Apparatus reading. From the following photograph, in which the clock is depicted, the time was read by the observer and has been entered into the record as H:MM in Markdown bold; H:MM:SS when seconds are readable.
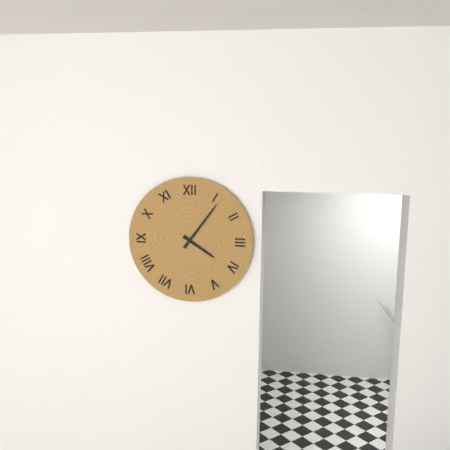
**4:06**
